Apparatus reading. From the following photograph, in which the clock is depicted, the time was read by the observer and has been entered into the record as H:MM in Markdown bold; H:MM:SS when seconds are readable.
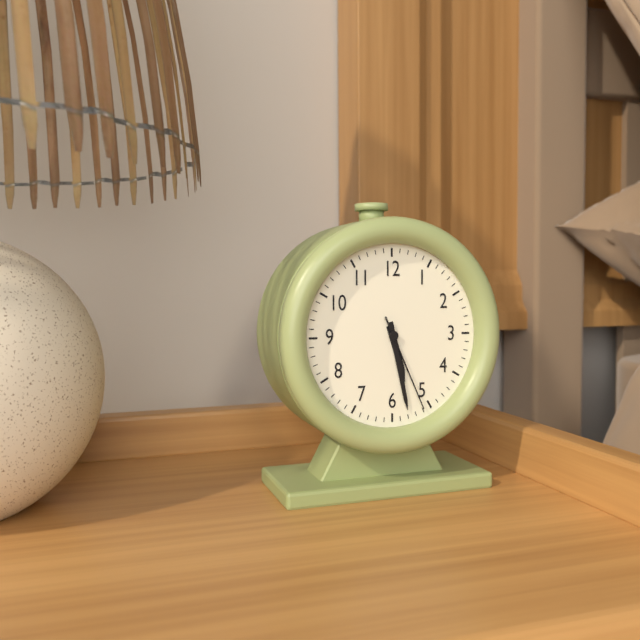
**5:28:26**
